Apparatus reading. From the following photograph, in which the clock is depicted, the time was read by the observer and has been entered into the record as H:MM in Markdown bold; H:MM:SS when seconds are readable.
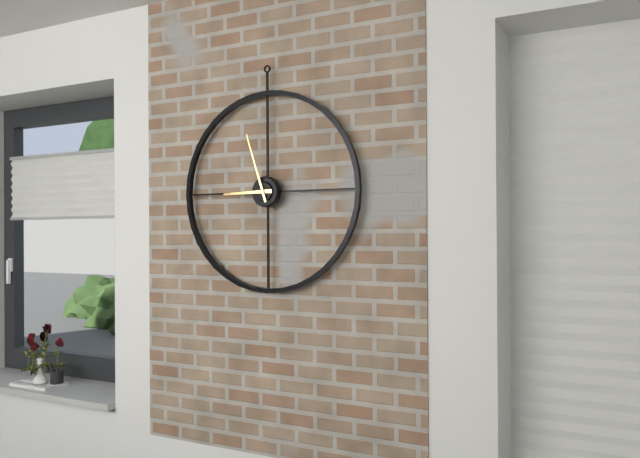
**8:57**
